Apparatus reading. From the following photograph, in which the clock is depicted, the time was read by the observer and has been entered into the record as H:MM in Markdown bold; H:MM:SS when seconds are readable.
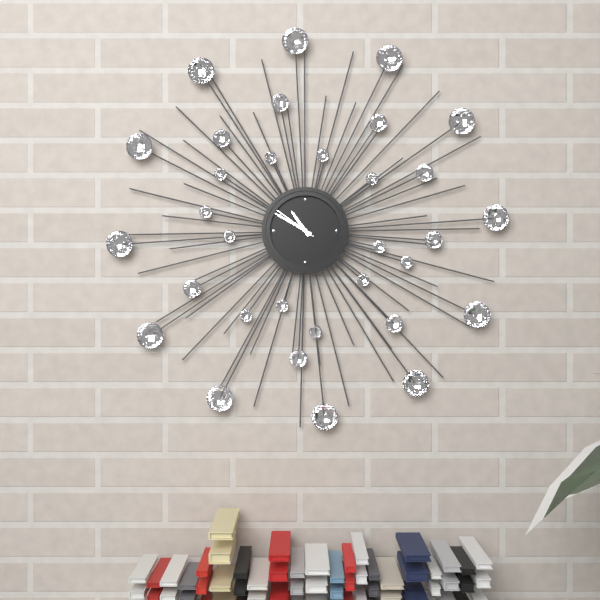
**10:50**
